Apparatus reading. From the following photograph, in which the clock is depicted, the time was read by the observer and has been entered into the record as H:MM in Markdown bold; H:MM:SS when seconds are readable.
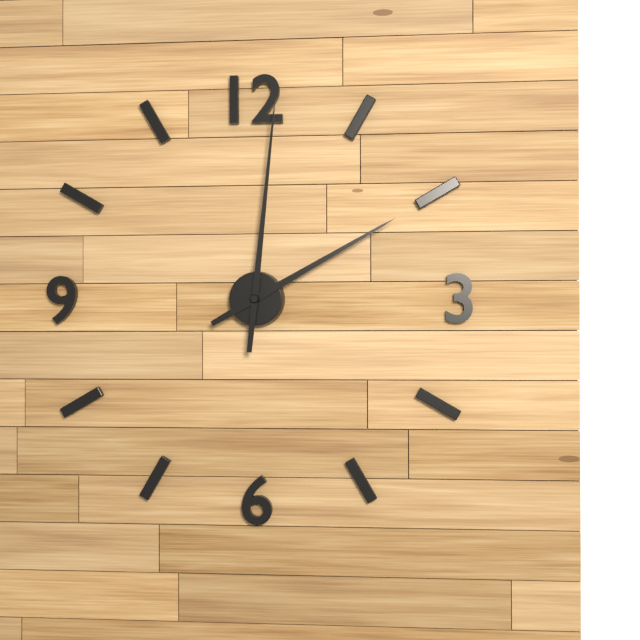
**2:01**
